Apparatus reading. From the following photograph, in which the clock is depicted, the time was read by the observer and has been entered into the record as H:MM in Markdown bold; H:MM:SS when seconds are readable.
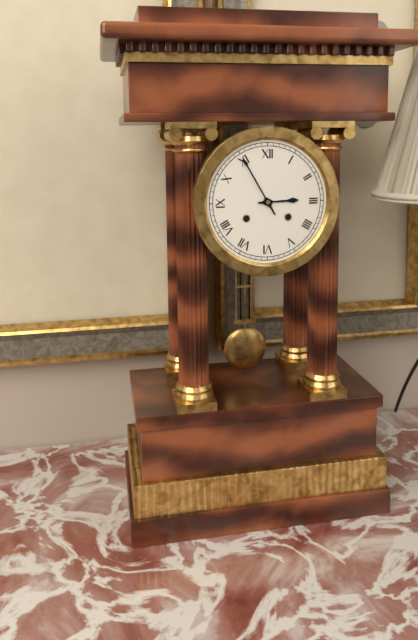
**2:55**
